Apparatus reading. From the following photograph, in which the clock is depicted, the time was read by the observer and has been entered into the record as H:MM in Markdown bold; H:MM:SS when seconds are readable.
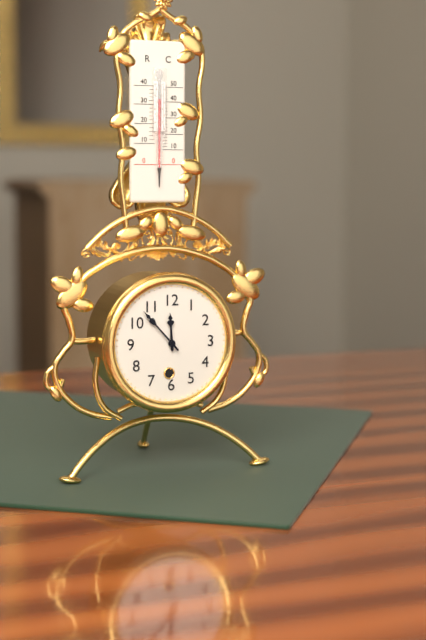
**11:53**
